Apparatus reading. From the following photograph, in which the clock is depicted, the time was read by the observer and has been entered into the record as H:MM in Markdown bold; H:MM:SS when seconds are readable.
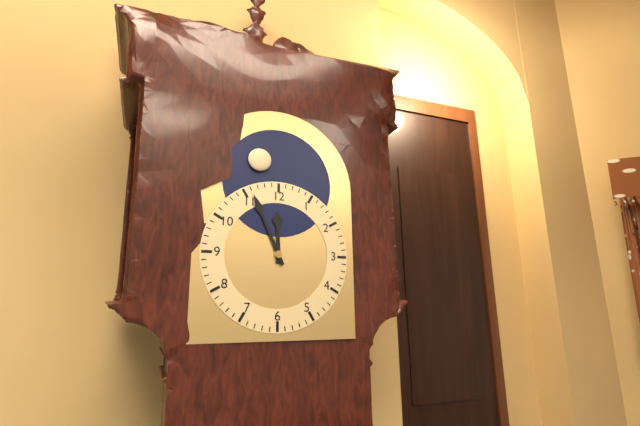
**11:56**
